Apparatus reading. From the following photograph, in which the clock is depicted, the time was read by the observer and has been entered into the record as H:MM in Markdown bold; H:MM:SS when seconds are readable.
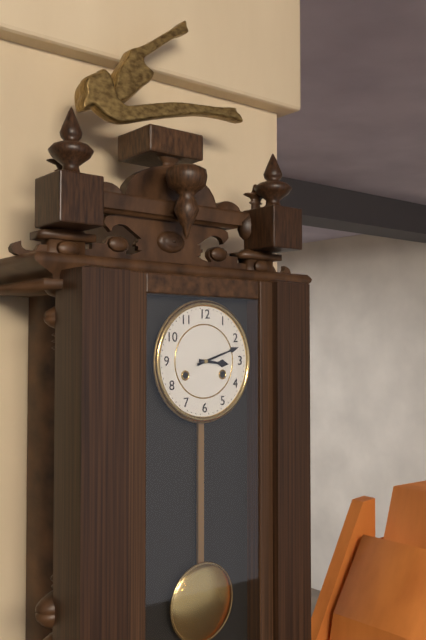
**3:12**
